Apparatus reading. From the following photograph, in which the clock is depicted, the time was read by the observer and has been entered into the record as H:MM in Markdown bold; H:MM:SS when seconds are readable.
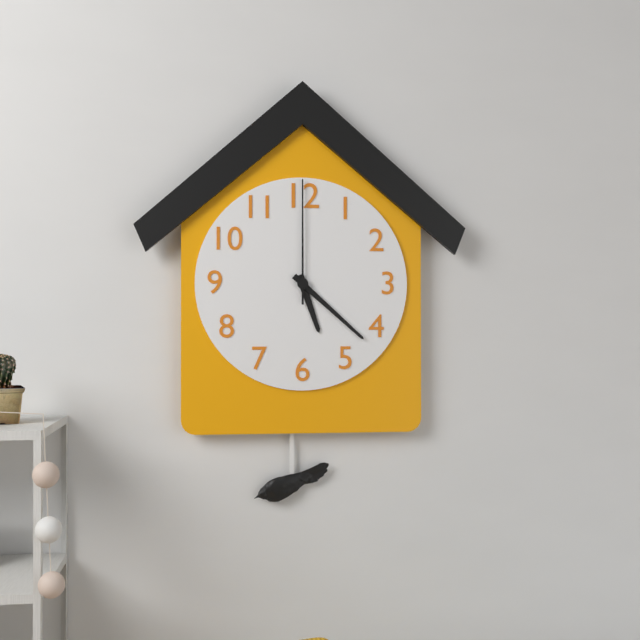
**5:22:00**
